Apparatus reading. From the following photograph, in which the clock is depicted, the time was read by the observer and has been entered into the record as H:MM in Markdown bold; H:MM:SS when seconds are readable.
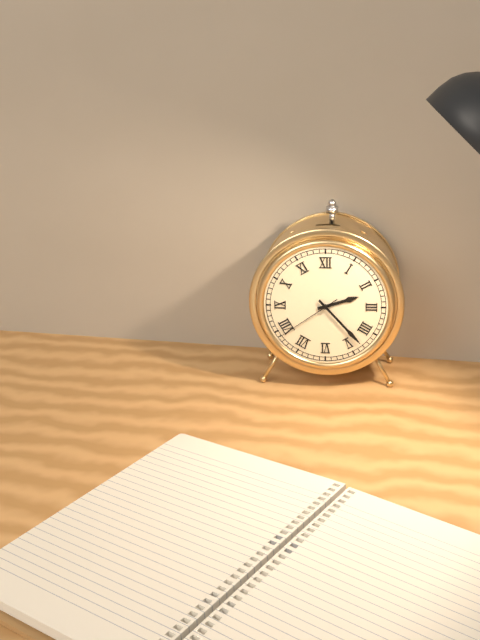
**2:23:39**
